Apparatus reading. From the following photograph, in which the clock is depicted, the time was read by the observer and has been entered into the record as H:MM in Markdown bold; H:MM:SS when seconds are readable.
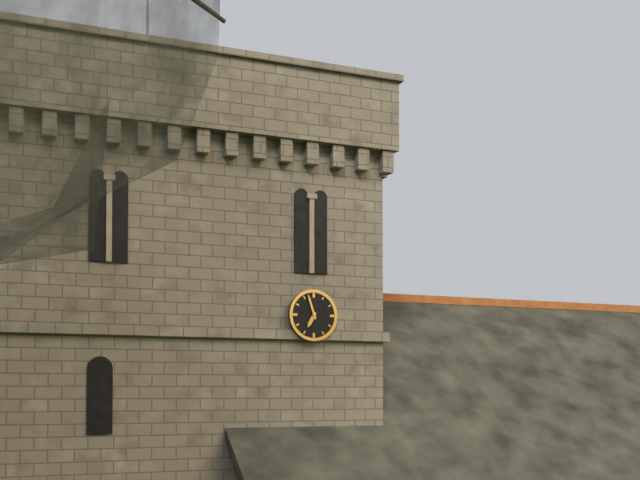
**6:57**
